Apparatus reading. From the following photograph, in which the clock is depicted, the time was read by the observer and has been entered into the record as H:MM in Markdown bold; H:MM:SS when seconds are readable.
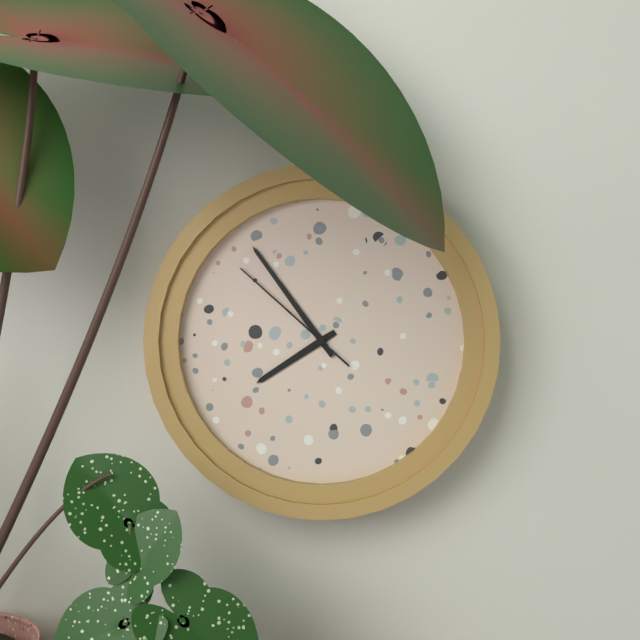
**7:54:52**
